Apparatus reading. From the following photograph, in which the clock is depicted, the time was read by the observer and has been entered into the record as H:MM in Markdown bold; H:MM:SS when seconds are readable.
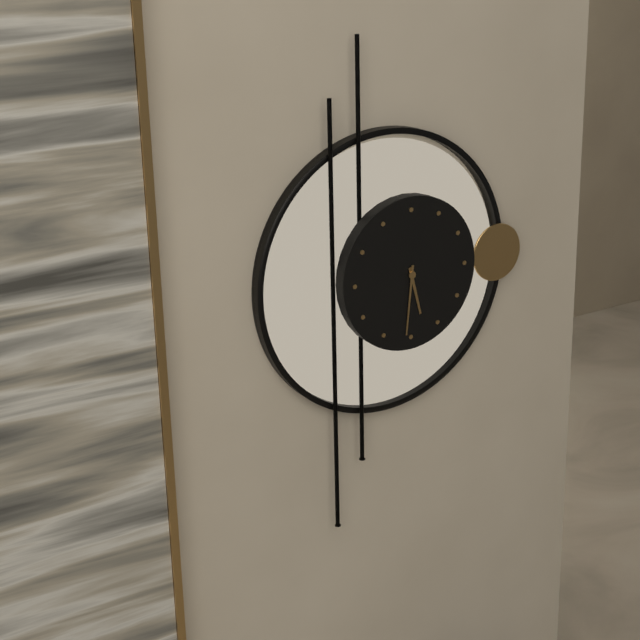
**5:31**
